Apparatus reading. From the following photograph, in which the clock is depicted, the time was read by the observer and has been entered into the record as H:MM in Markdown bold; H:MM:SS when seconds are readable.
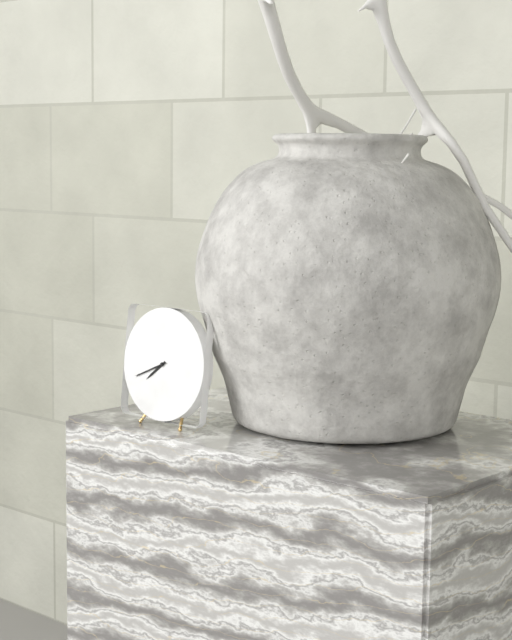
**7:41**
